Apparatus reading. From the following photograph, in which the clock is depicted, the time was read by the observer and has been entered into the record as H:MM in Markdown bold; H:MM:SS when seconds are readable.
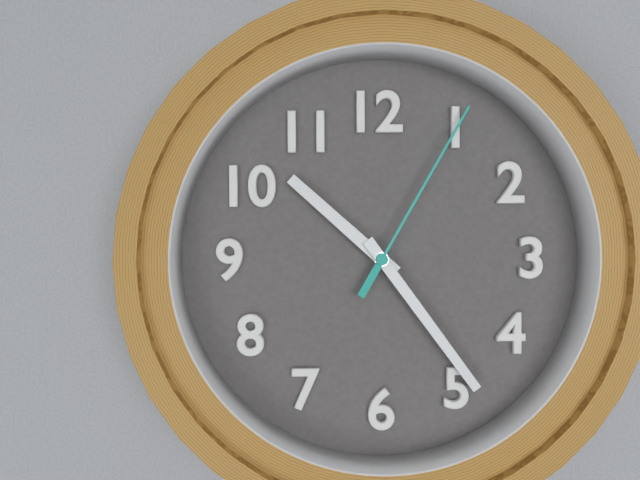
**10:24:05**
